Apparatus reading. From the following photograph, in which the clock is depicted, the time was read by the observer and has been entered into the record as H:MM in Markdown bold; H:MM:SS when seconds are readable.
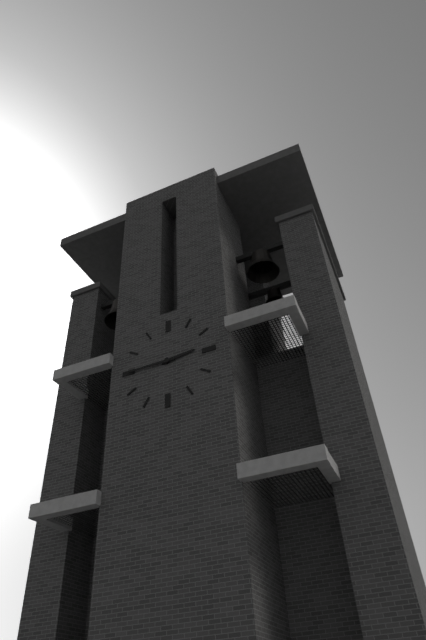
**2:45**
